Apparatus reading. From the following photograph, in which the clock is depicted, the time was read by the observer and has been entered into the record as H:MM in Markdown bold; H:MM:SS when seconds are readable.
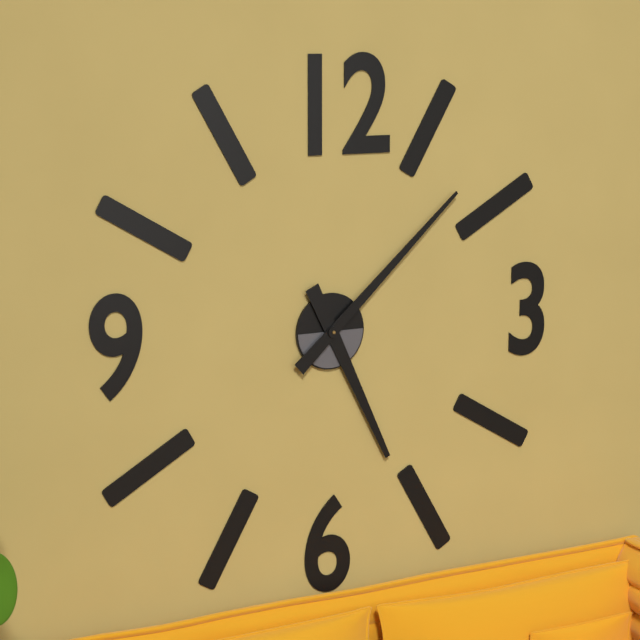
**5:08**
